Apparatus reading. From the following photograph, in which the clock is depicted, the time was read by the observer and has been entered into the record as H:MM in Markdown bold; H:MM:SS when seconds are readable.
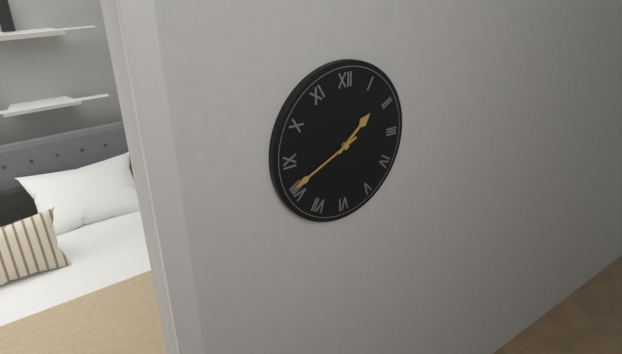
**1:41**
